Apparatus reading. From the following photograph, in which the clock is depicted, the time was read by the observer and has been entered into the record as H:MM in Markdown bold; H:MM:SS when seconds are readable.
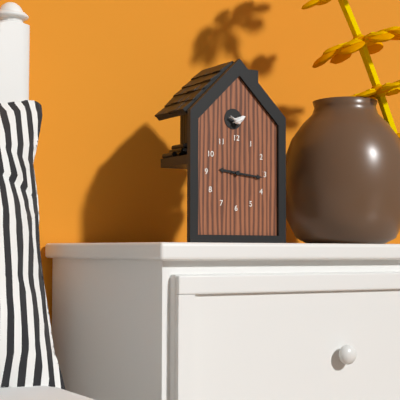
**9:16**
